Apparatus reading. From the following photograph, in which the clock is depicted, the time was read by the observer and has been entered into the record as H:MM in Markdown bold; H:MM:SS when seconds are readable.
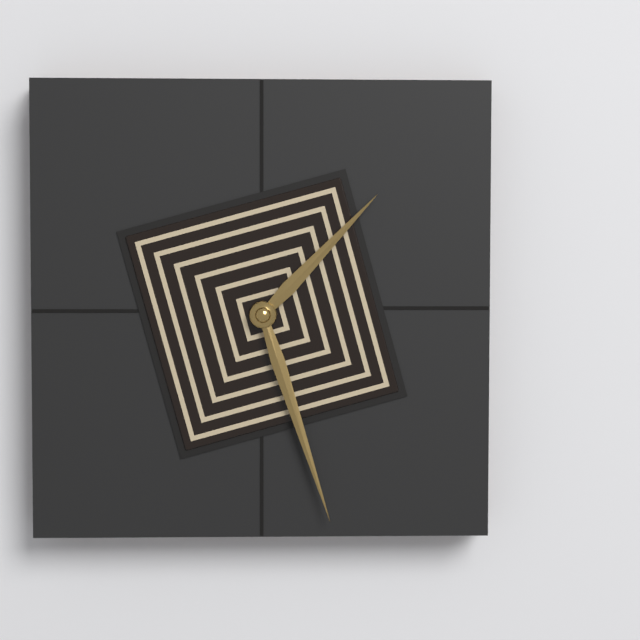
**1:27**
